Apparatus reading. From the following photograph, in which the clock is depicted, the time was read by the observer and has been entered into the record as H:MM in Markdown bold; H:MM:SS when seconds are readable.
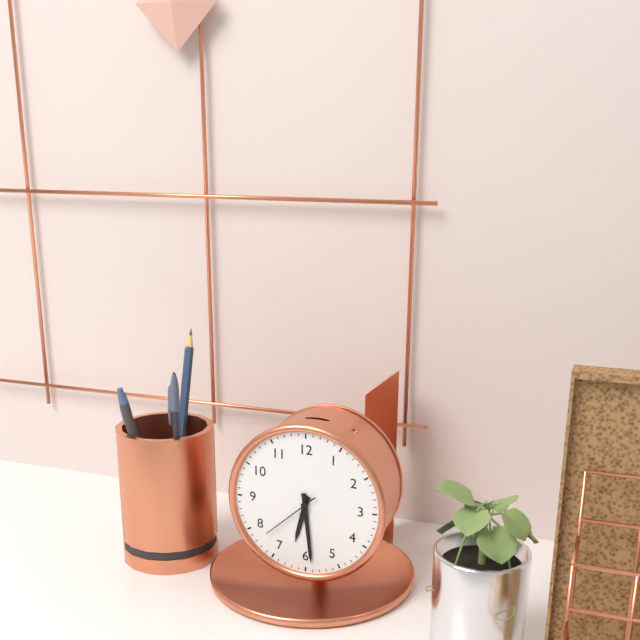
**6:29:38**
